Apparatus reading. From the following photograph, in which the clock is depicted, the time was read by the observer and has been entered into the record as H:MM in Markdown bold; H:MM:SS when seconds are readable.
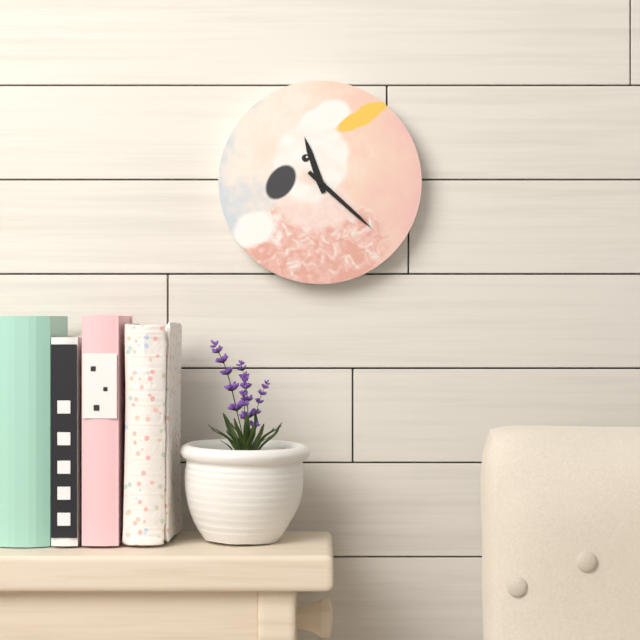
**11:22**
